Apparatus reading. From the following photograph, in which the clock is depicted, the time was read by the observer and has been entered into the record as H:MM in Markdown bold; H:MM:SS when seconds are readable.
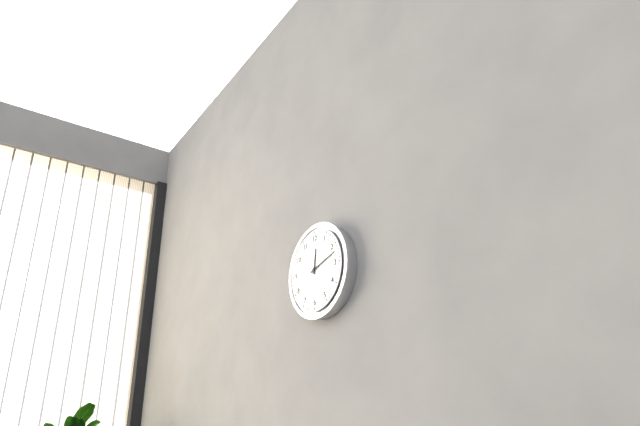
**12:12**
